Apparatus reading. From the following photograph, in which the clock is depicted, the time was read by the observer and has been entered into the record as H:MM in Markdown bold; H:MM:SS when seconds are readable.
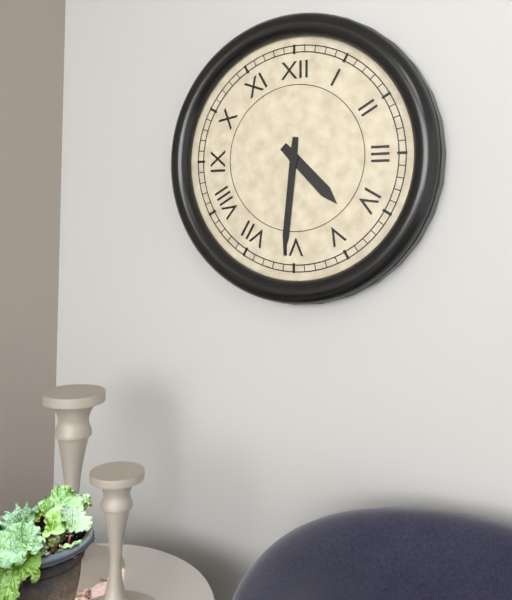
**4:31**
